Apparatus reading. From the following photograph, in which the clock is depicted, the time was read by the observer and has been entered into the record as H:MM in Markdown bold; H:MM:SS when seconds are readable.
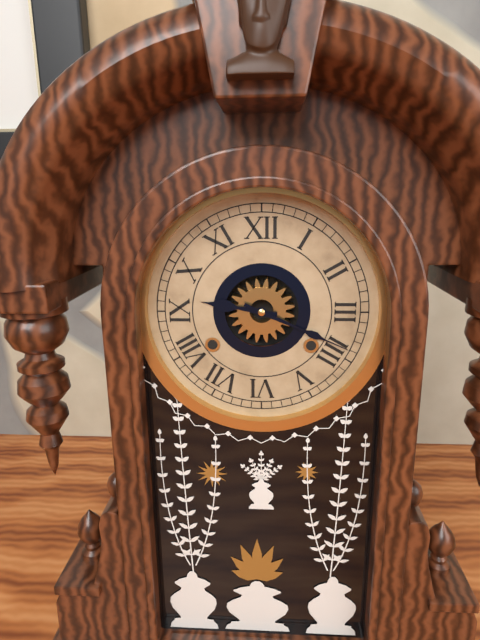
**9:19**
